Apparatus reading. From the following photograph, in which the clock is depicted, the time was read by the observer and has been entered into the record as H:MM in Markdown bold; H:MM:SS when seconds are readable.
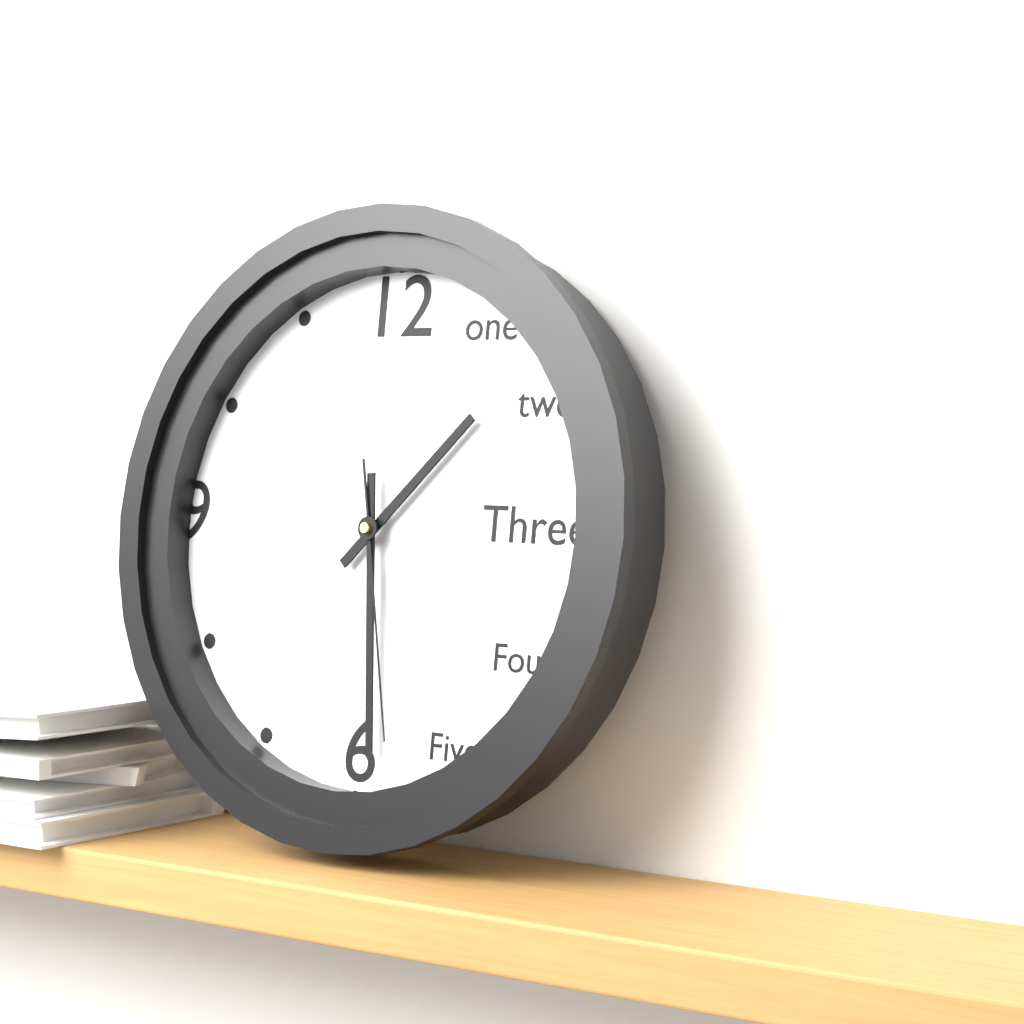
**1:29:28**
